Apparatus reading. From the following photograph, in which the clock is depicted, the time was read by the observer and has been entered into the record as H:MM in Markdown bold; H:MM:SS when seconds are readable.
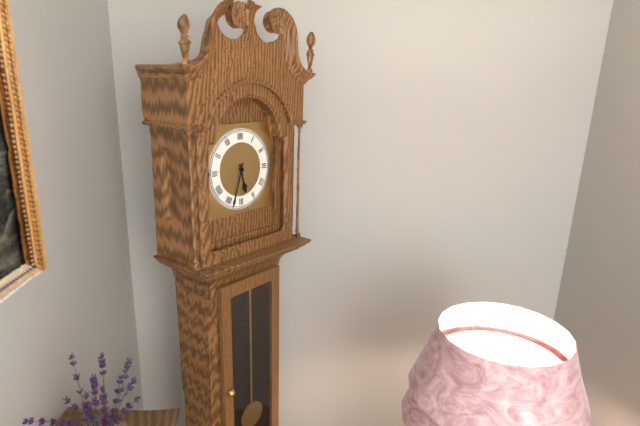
**5:33**
